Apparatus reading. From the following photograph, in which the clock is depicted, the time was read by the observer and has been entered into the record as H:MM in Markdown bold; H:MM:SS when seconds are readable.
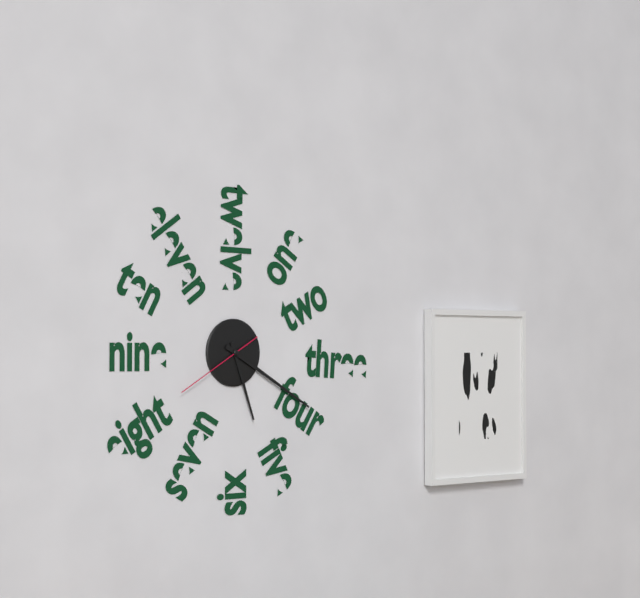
**5:20:40**
